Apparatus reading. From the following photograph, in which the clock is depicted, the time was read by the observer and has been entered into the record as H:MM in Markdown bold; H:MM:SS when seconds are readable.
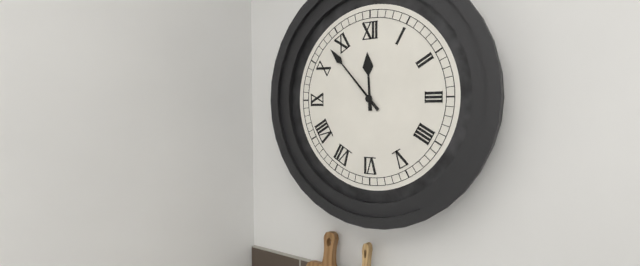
**11:53**
